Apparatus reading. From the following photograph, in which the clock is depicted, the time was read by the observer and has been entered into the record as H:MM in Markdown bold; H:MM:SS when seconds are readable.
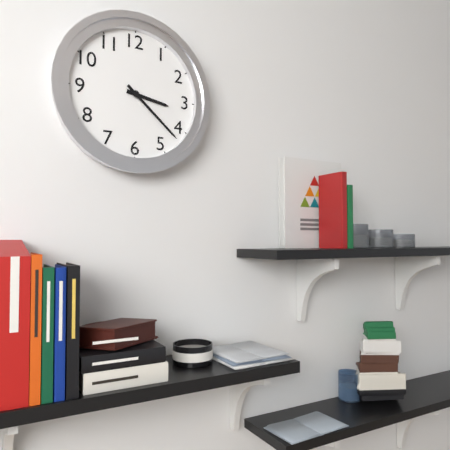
**3:22**
